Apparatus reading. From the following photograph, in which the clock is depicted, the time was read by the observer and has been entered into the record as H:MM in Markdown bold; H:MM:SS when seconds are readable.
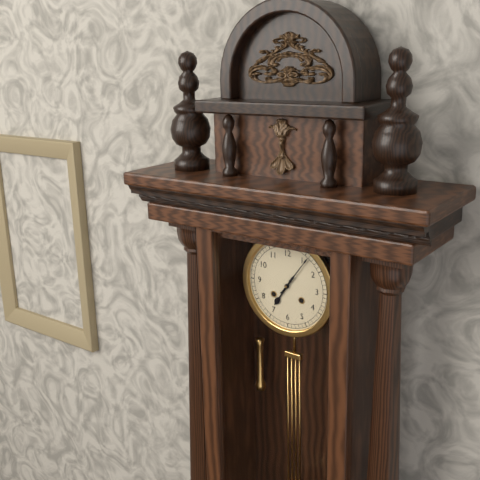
**7:06**
